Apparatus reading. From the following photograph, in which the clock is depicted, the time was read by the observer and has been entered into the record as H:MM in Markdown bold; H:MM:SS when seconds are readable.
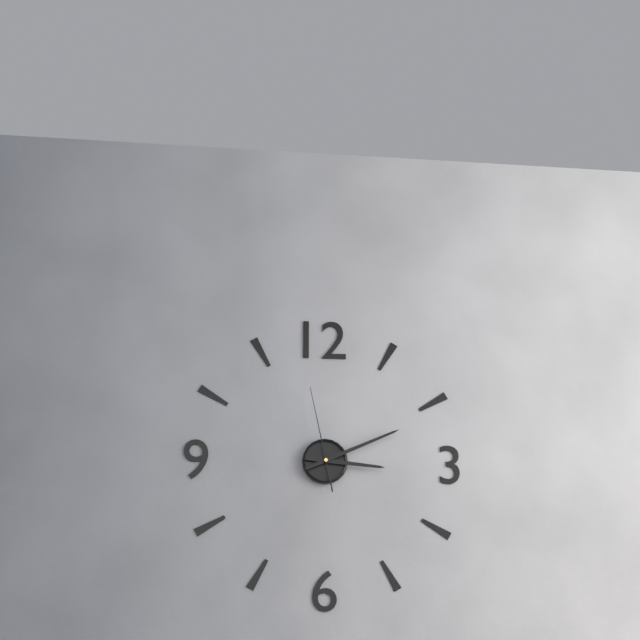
**3:11:58**
